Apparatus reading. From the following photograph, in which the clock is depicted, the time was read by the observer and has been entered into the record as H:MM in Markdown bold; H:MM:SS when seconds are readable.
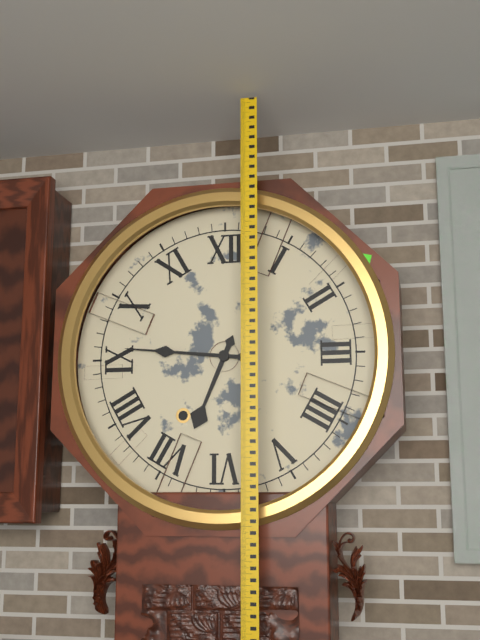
**6:46**
